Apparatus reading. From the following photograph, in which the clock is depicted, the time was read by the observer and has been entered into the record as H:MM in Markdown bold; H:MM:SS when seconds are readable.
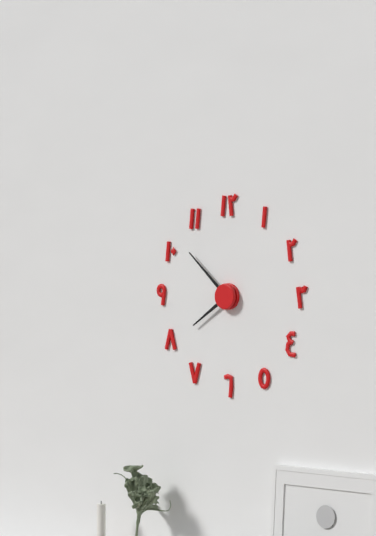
**7:52**
